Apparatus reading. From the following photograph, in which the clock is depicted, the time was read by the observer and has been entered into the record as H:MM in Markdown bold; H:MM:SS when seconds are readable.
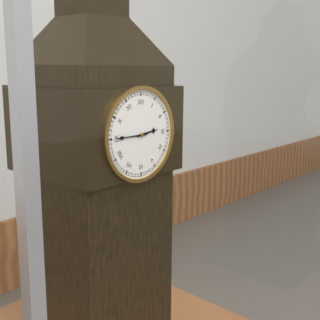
**2:45**
